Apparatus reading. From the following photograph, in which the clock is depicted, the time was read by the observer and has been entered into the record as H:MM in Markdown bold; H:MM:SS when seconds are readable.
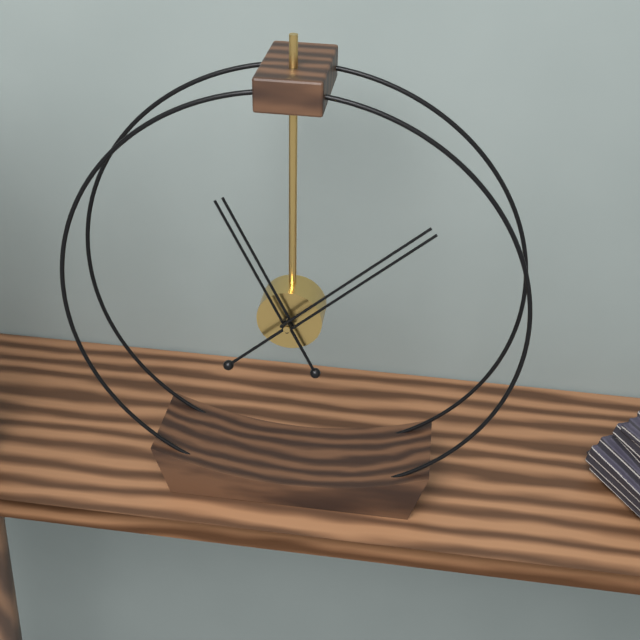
**11:08**
